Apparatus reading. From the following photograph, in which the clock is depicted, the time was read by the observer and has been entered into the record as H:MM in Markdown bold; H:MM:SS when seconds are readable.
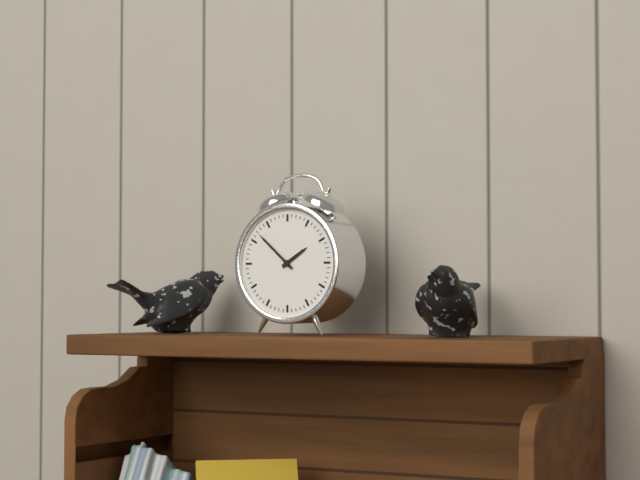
**1:52**
